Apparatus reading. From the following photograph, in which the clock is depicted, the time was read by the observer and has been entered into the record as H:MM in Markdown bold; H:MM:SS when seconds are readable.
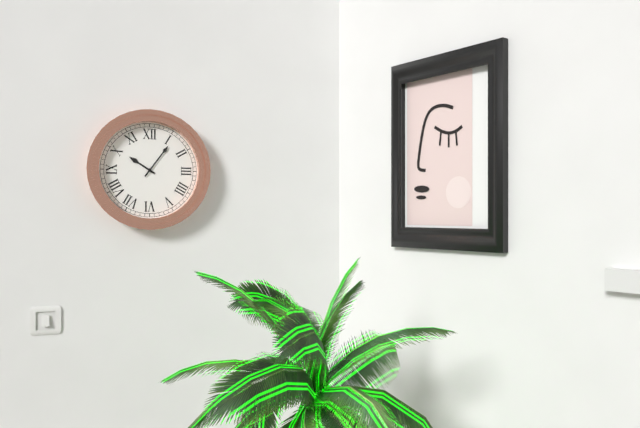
**10:06**
